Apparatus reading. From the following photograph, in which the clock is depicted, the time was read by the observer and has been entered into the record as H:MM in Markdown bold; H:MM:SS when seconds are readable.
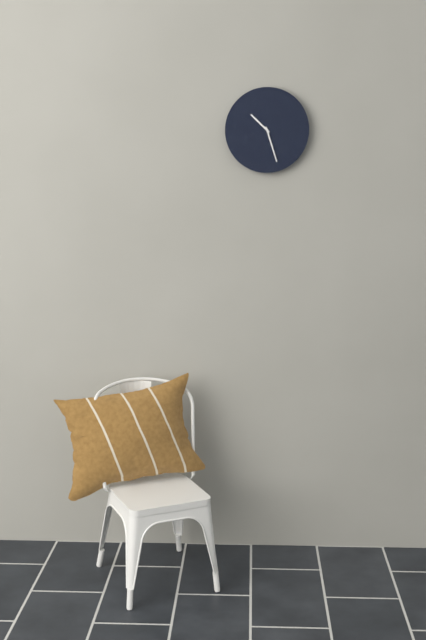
**10:27**
